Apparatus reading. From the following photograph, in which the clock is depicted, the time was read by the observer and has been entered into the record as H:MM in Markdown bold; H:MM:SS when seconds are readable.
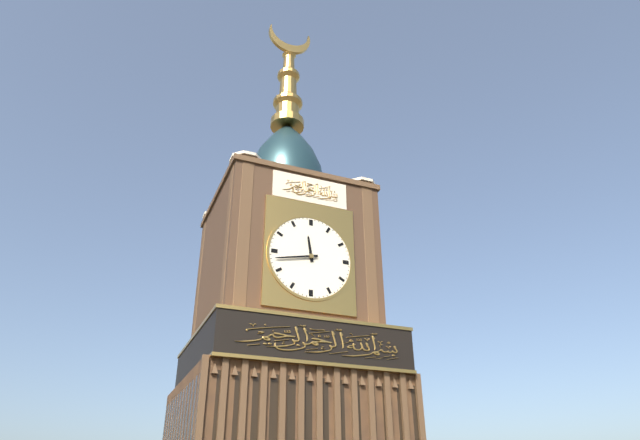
**11:43**
